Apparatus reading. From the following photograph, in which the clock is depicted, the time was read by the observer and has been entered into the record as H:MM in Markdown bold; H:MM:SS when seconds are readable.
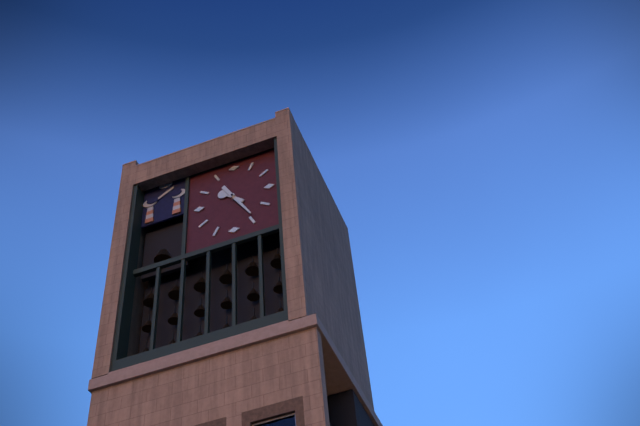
**10:25**
